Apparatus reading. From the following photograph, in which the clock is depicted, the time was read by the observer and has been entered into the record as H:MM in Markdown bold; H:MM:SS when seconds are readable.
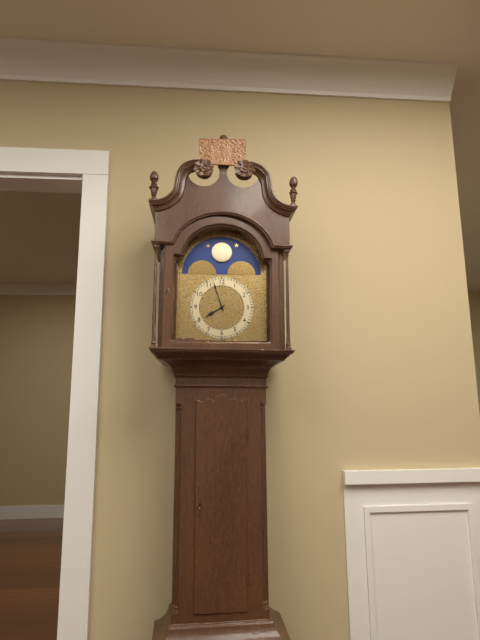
**7:57**
